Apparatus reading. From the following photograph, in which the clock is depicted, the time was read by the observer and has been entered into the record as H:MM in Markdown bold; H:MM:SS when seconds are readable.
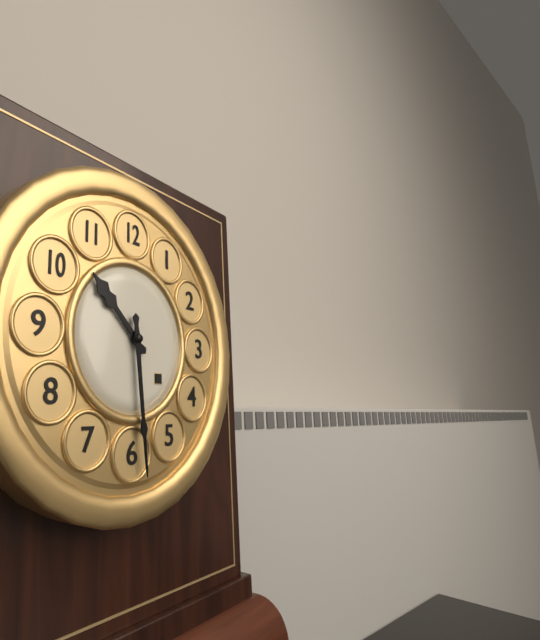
**10:29**
